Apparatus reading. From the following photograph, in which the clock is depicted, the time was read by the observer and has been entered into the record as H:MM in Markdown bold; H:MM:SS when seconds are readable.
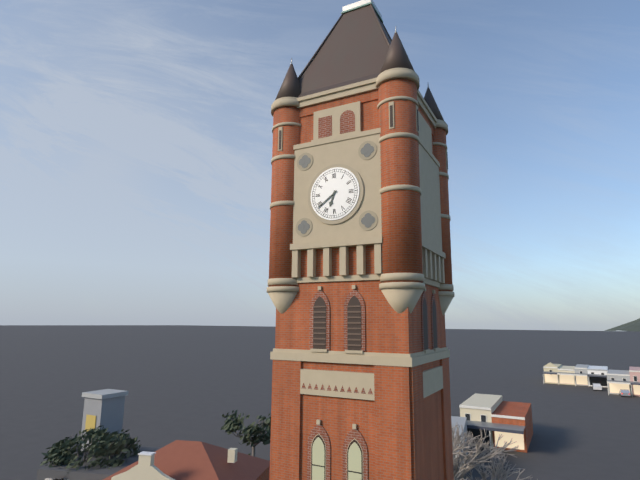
**6:39**
